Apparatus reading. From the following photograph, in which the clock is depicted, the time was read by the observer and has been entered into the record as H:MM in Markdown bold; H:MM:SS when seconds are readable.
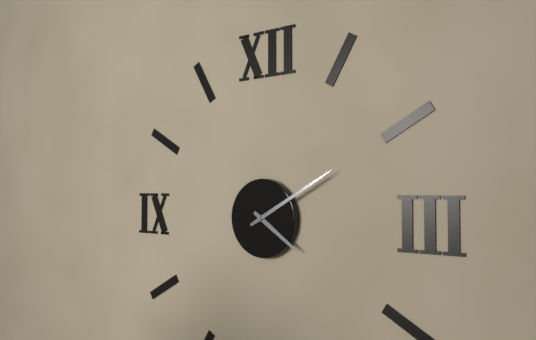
**4:10**
